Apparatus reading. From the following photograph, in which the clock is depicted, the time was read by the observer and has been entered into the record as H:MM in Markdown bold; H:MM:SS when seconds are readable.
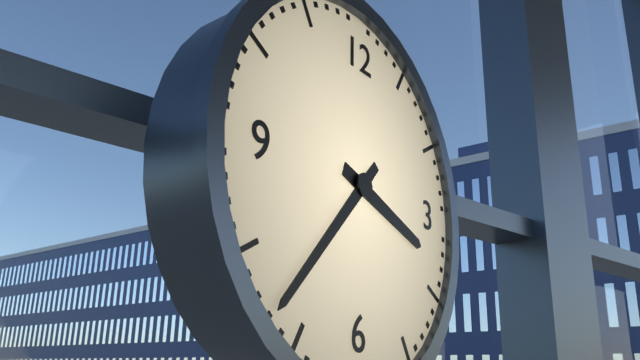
**3:37**
